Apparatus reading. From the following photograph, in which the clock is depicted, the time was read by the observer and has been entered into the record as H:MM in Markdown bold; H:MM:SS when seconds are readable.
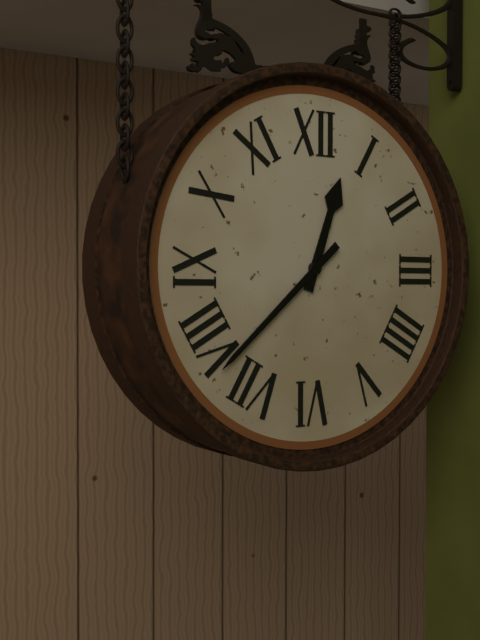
**12:38**
